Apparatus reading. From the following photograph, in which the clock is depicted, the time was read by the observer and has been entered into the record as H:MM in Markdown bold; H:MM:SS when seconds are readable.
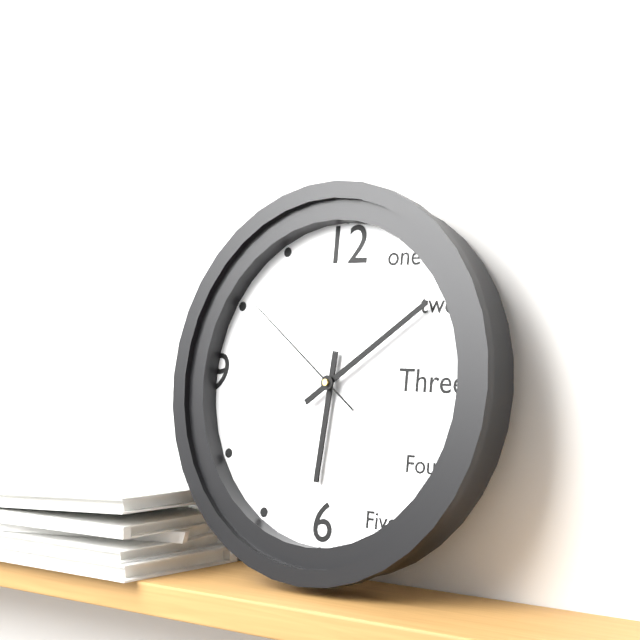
**6:09:51**
